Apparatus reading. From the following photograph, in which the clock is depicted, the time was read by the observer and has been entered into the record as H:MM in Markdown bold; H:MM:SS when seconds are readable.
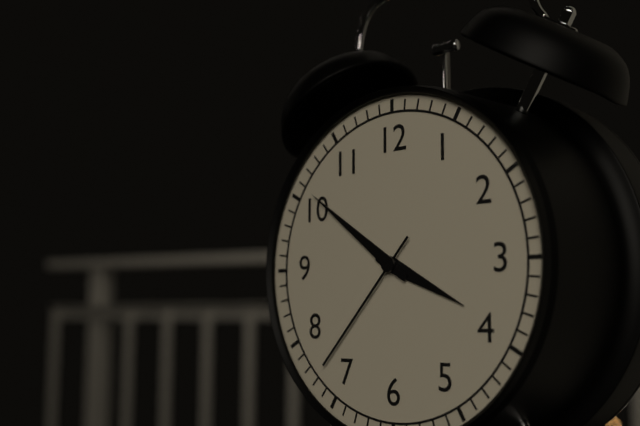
**3:51:37**
